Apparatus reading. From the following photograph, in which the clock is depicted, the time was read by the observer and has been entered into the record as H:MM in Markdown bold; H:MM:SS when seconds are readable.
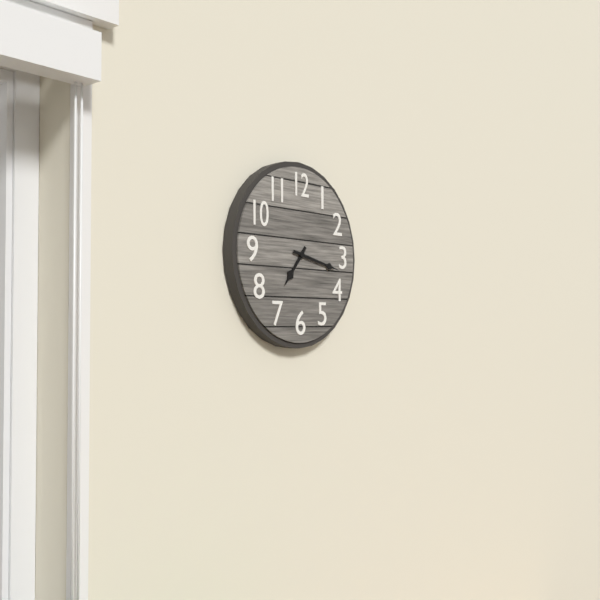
**7:17**
